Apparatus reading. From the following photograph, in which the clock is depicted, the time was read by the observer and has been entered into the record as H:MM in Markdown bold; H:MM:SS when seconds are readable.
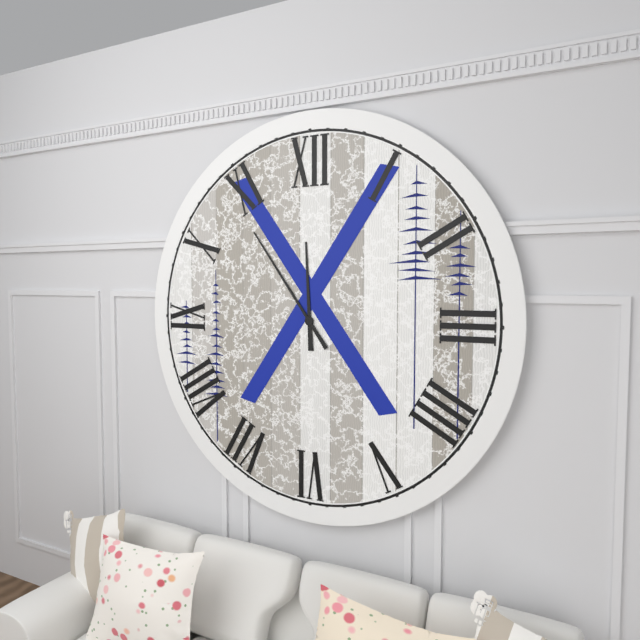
**11:54**
